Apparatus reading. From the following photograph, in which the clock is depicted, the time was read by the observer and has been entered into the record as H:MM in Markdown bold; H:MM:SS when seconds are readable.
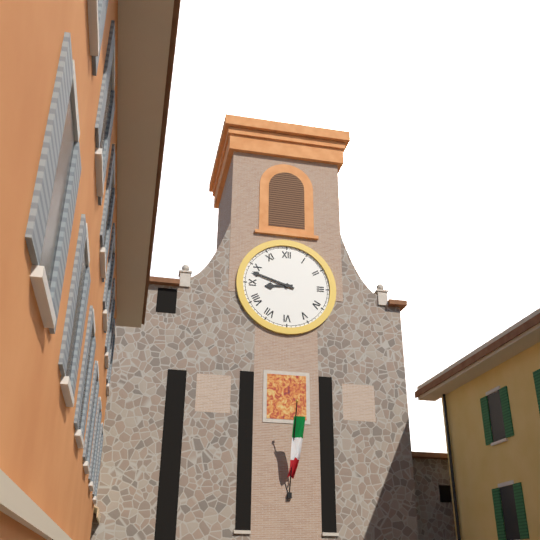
**8:48**
